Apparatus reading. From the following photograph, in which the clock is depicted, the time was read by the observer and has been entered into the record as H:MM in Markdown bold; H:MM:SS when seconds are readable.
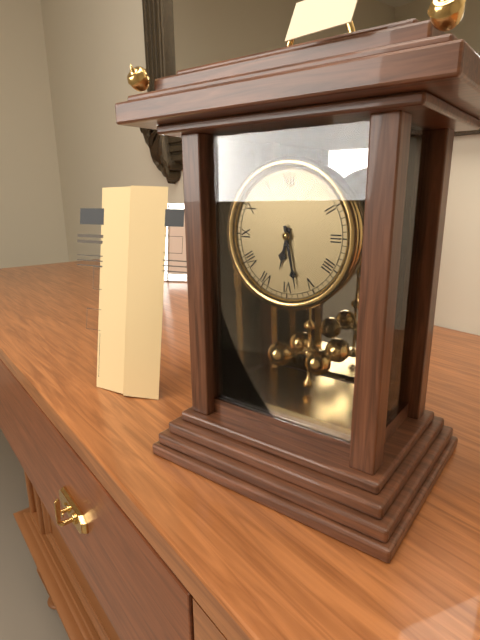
**6:28**
